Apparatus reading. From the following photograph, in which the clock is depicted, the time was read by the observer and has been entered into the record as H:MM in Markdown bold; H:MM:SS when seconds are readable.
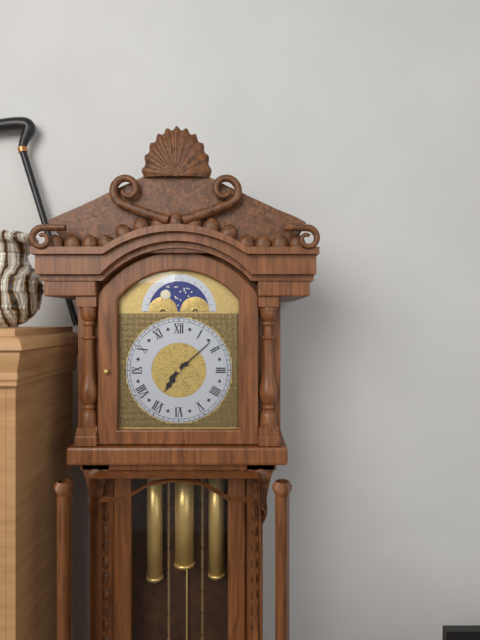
**7:08**
